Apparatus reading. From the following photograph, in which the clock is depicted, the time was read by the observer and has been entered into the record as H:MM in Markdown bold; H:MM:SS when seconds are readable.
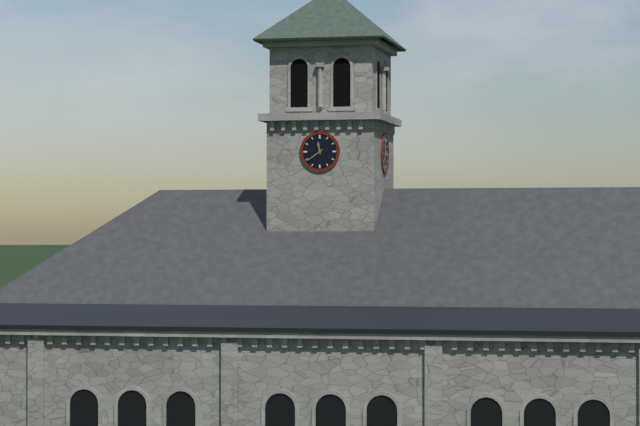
**11:39**
